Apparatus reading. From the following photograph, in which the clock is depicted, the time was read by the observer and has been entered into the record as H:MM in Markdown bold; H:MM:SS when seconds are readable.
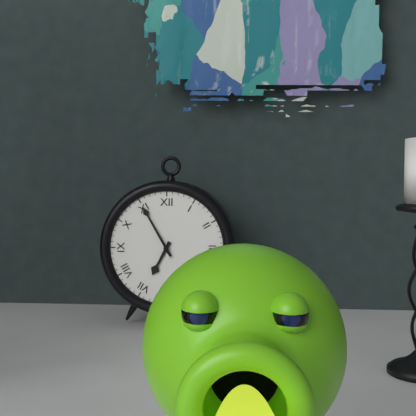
**6:55**
